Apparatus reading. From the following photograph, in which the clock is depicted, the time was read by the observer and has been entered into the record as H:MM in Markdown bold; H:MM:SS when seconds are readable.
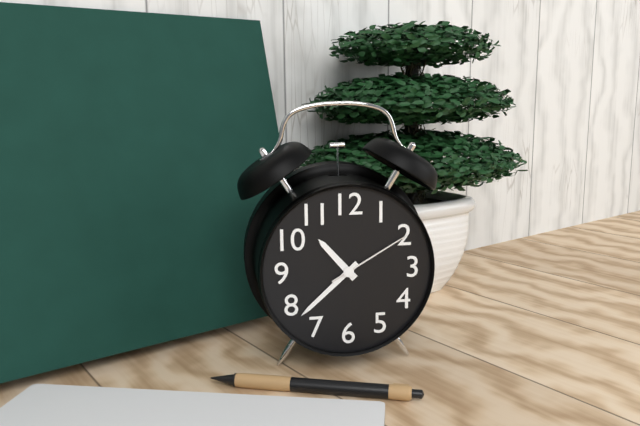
**10:38:10**
